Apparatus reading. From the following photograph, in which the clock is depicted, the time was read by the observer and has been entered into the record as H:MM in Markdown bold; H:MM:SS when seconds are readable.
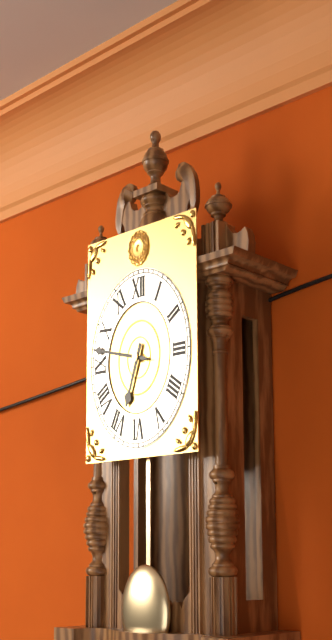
**6:47:47**
